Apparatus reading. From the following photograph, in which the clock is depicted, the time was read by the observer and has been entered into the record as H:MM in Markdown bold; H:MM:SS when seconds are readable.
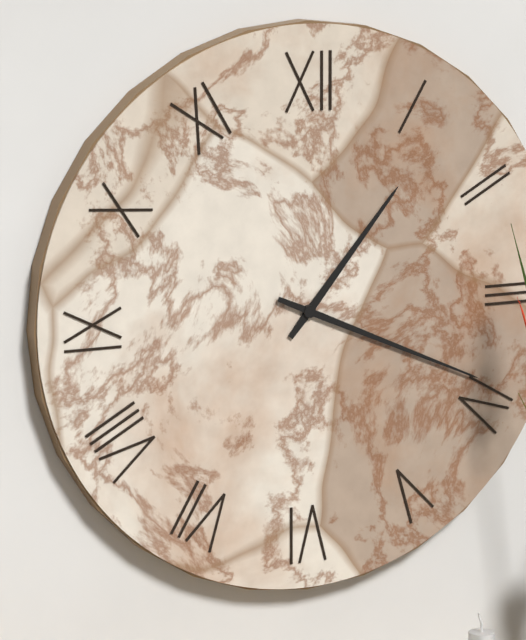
**1:19**
